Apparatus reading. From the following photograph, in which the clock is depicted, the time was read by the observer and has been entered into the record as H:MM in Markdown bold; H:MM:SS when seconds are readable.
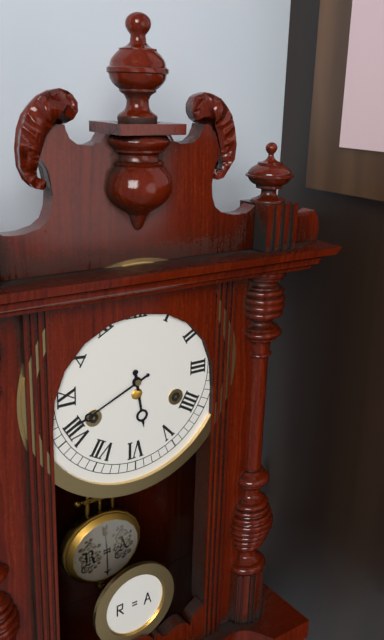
**5:41**
